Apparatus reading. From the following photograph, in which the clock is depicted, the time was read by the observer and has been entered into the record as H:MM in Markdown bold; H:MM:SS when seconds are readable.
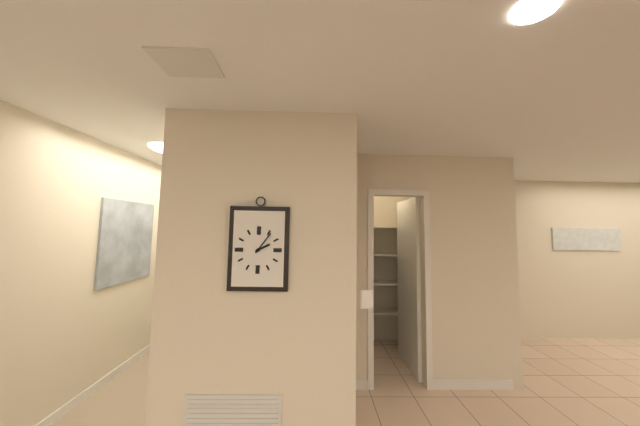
**2:06**
